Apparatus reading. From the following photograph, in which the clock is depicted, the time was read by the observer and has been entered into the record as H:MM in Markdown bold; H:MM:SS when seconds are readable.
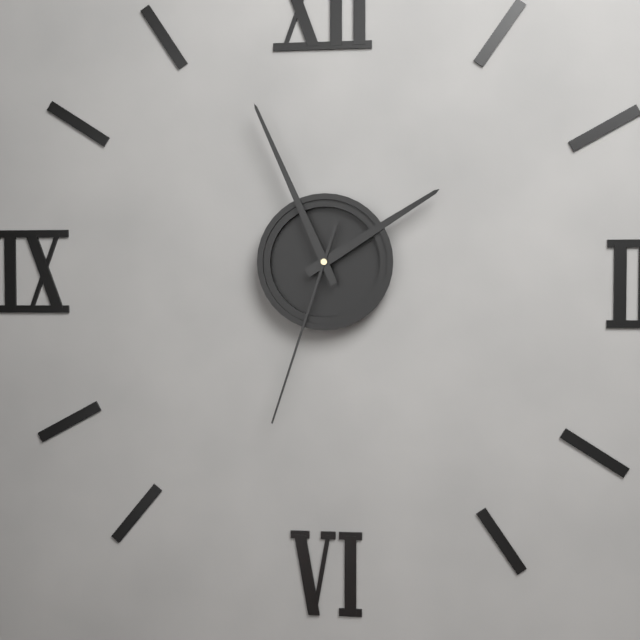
**1:56:33**
